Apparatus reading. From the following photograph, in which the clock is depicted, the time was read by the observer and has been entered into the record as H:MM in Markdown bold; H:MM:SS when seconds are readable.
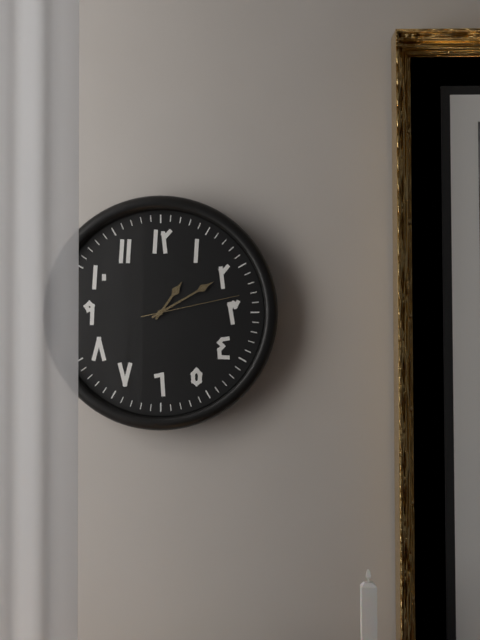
**1:10:13**
